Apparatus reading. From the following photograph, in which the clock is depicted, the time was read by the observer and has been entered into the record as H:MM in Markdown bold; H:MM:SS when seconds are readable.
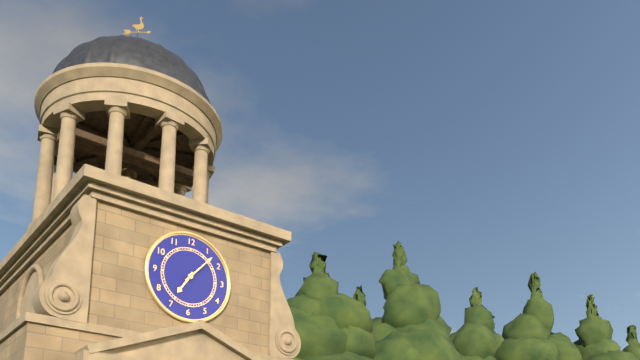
**7:07**
